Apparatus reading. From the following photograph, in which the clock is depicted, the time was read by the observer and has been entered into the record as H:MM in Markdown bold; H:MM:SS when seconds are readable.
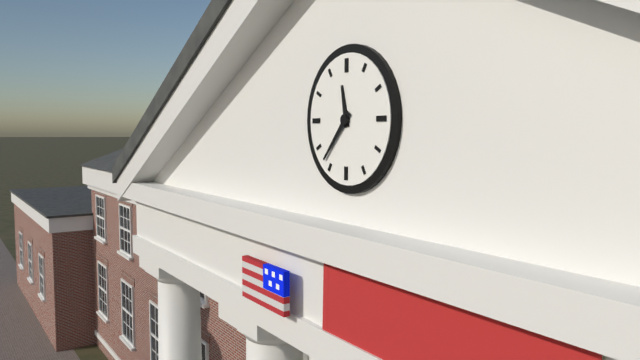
**11:37**
